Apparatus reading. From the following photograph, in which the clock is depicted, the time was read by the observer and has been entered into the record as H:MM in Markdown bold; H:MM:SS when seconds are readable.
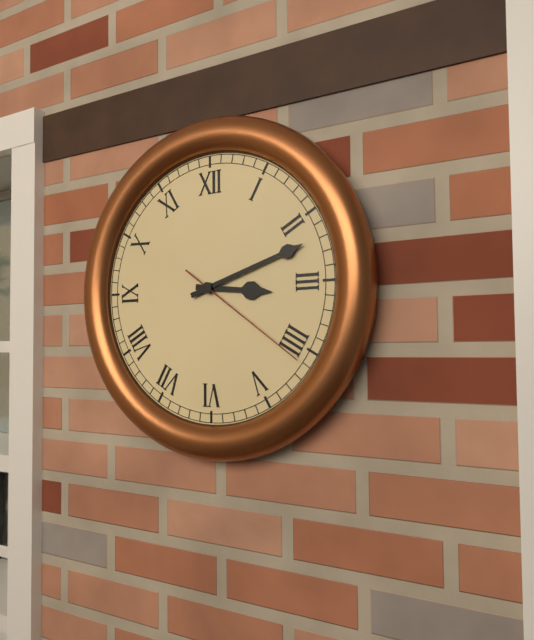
**3:12:21**
